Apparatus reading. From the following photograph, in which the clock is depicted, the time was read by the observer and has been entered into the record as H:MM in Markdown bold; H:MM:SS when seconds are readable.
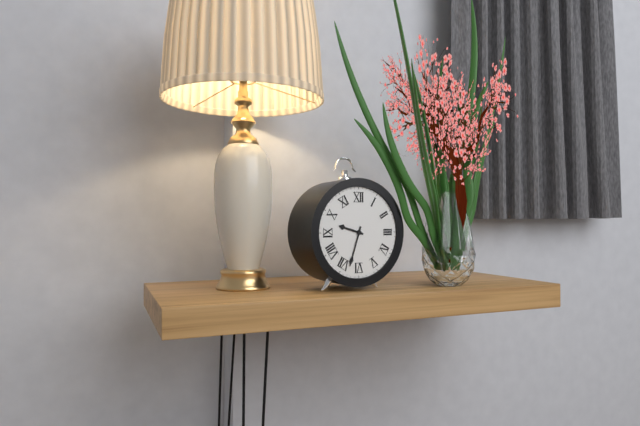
**9:33**
